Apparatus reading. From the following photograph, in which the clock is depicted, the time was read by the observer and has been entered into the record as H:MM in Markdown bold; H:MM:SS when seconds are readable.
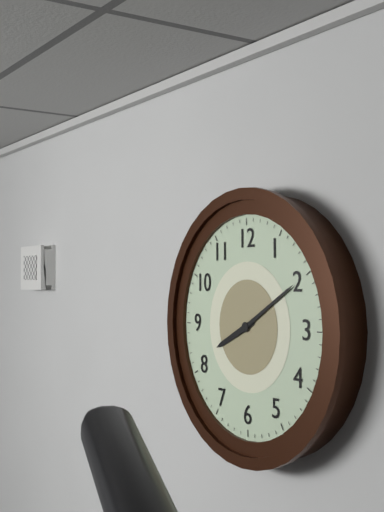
**8:10**
